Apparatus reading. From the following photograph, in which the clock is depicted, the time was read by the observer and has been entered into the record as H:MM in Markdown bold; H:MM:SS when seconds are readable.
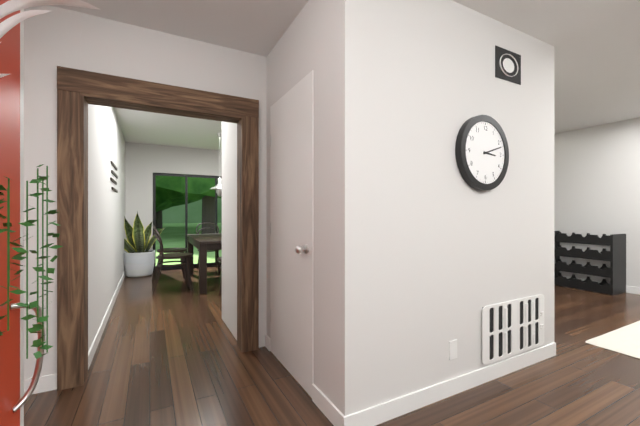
**3:12**
